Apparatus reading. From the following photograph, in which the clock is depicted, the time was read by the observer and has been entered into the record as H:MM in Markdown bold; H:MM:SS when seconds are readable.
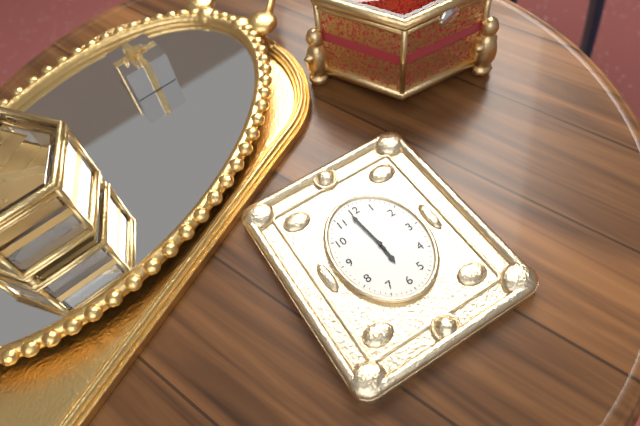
**5:59**
